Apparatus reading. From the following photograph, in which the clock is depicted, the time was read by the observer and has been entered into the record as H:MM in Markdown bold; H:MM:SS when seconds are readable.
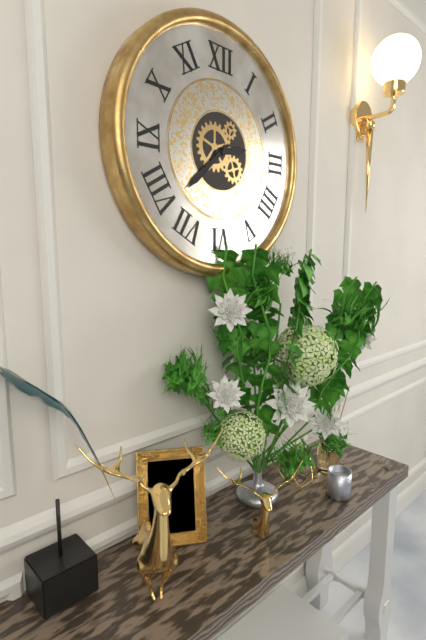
**2:38**
